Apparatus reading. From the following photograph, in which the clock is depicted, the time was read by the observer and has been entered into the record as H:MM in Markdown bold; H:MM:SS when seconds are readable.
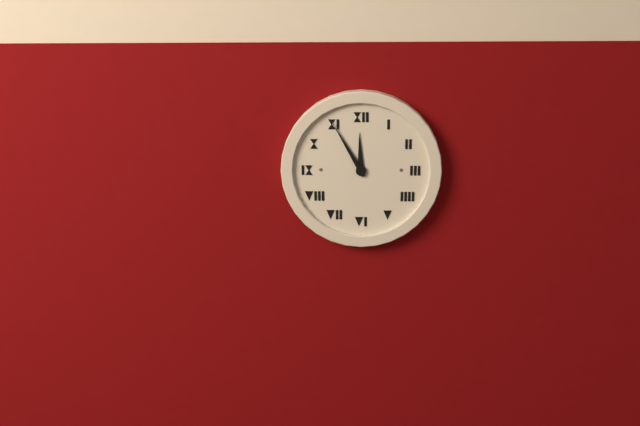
**11:55**
